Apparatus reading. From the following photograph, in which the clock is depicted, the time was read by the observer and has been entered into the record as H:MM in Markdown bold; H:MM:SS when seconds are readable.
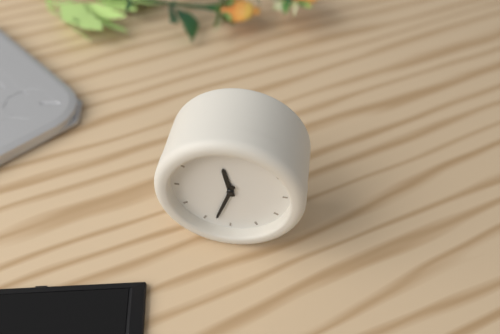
**11:33**
